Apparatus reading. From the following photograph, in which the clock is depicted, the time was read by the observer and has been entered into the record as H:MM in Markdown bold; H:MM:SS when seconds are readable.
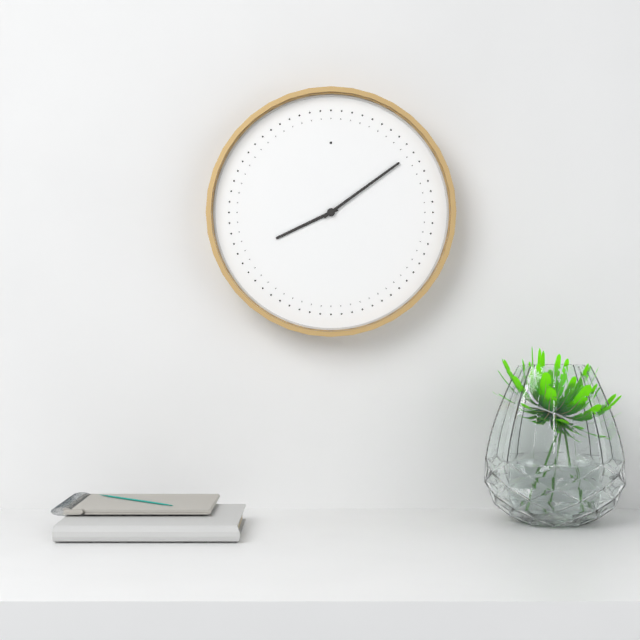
**8:09**
